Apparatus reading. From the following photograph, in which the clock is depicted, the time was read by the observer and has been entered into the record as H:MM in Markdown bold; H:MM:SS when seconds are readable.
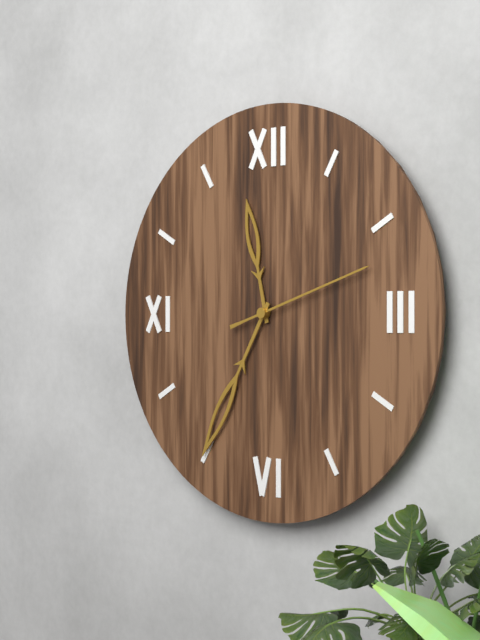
**11:35:12**
